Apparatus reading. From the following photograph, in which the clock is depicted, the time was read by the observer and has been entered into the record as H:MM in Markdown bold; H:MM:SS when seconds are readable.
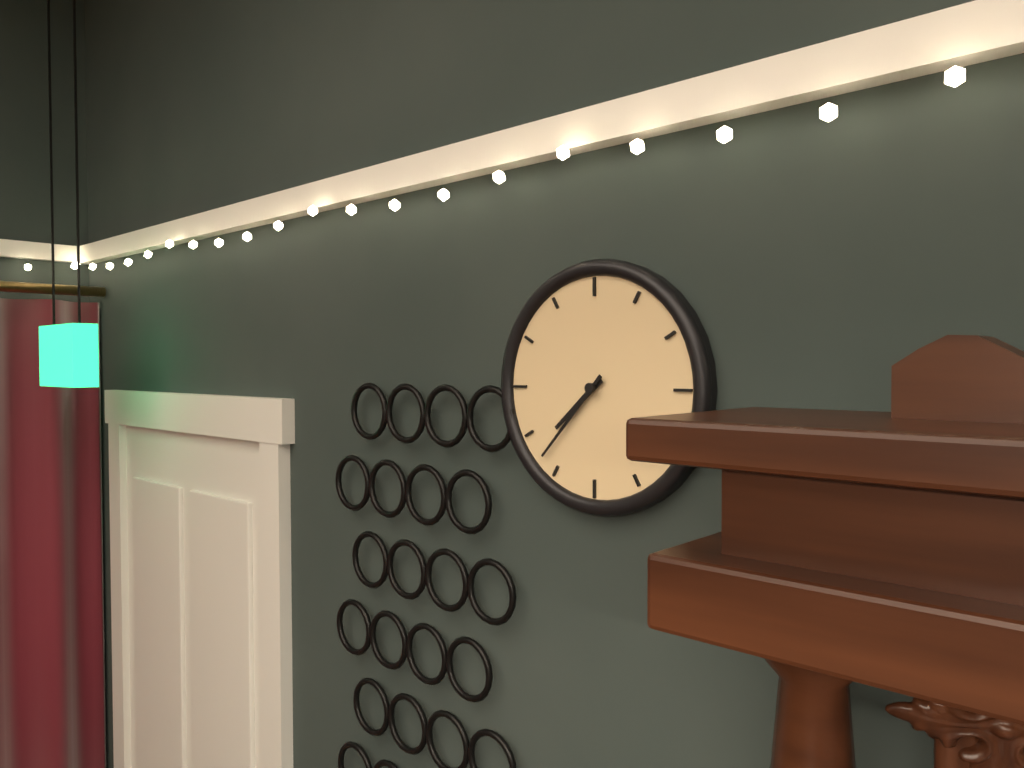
**7:37**
